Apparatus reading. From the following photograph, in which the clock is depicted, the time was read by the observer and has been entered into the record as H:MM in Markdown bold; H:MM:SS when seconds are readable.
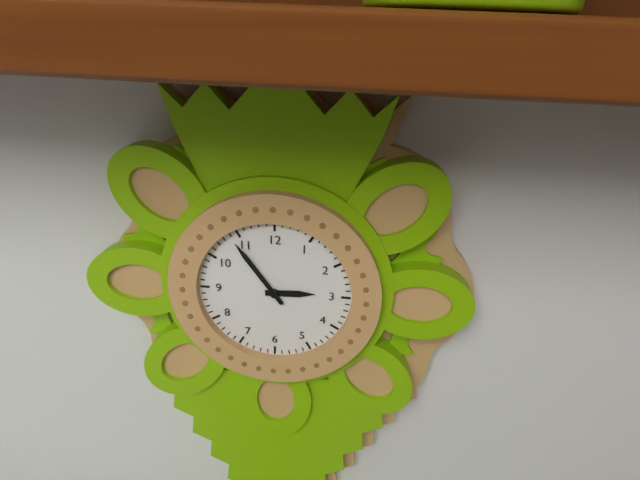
**2:54**
